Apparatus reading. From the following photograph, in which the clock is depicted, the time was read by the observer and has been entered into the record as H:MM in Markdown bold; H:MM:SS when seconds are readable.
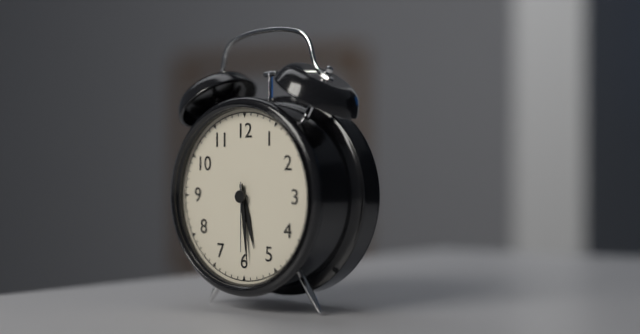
**5:29:30**
